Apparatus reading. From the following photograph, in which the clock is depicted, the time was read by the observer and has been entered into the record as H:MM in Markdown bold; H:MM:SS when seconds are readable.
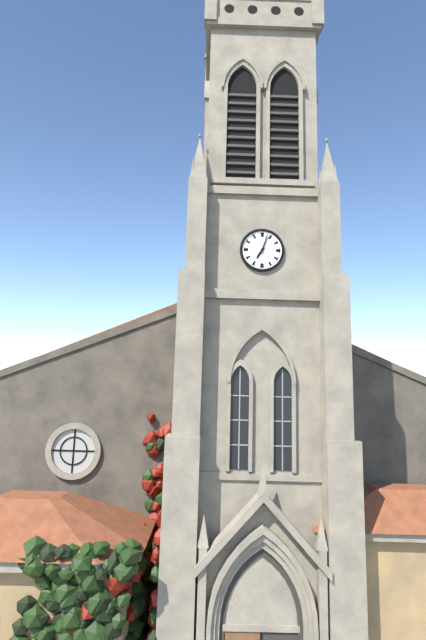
**7:03**
